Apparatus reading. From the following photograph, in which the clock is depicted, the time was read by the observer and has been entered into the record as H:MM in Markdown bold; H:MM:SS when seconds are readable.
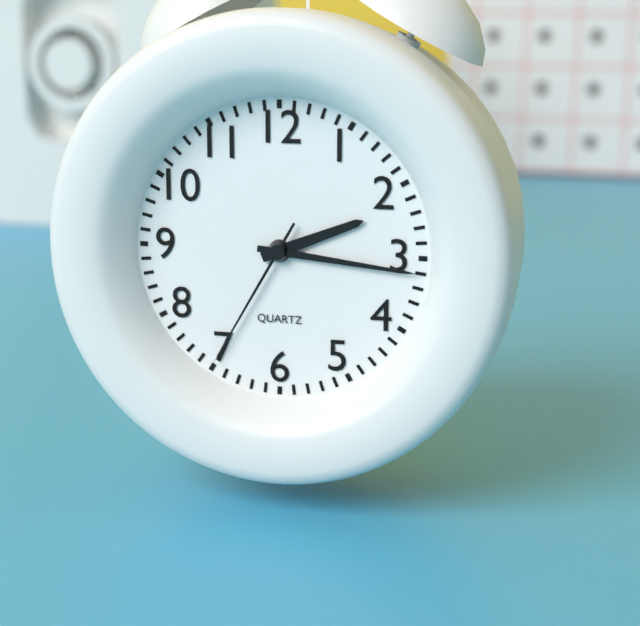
**2:16:35**
